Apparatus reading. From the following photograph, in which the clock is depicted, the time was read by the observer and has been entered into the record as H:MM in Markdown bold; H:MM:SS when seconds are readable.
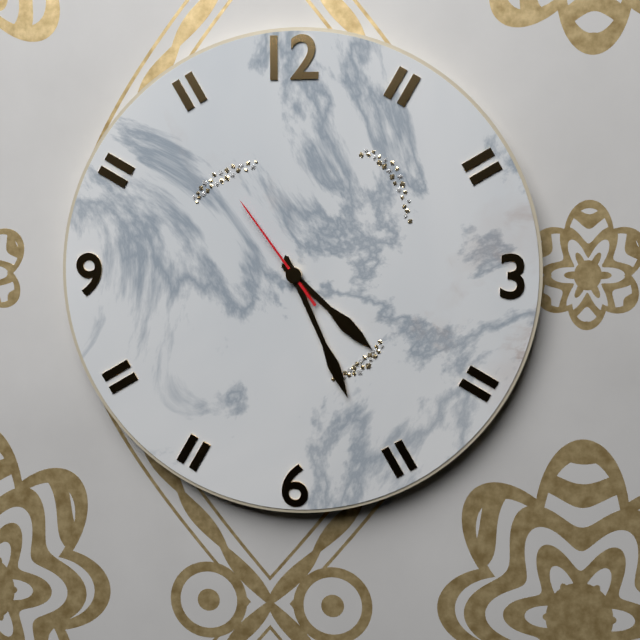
**4:26:54**
